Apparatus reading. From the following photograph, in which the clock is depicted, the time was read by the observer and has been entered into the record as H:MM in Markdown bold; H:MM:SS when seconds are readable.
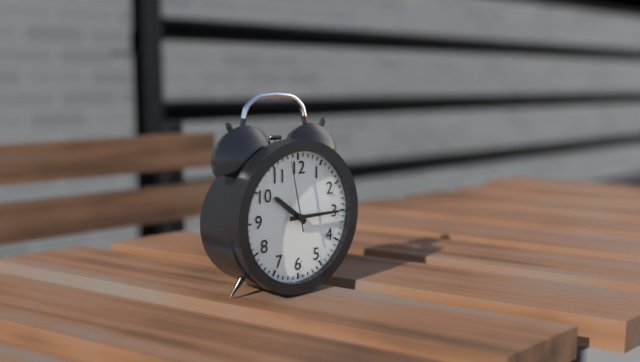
**10:15:58**
